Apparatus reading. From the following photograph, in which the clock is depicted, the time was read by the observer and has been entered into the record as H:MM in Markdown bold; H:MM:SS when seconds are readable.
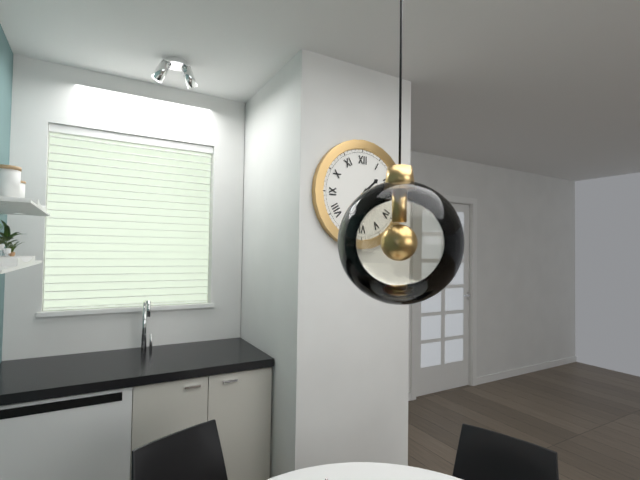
**1:36**
